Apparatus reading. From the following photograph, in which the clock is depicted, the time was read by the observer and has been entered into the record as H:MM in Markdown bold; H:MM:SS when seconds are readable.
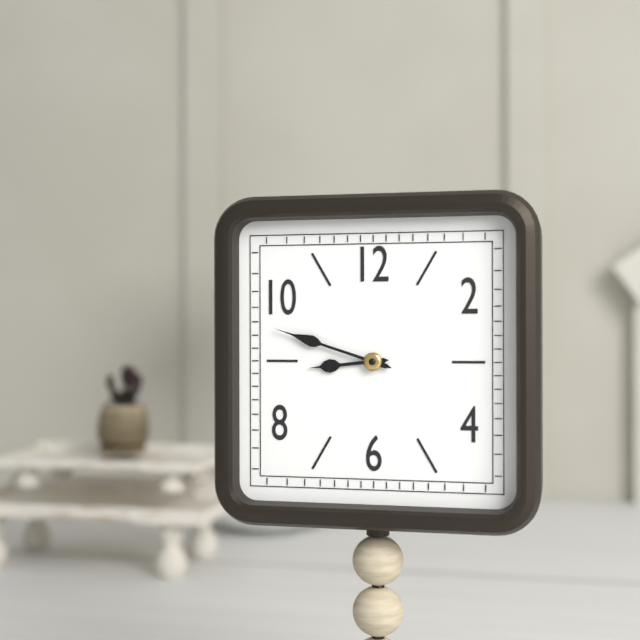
**8:48**
